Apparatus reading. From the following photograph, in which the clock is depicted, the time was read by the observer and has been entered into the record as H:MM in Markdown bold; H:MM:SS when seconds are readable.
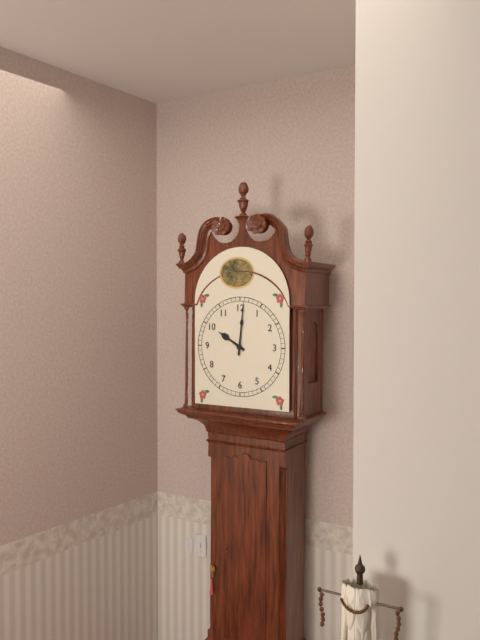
**10:01**
